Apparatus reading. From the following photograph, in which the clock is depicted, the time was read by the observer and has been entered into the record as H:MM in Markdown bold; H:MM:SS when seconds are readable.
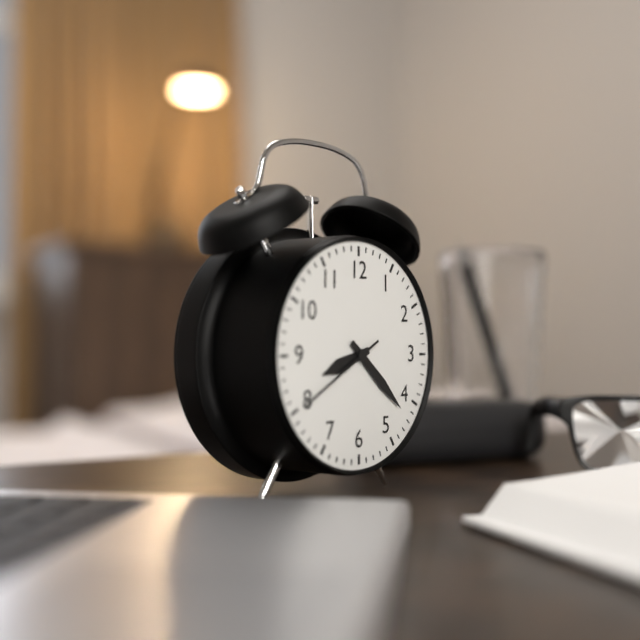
**8:22:40**
